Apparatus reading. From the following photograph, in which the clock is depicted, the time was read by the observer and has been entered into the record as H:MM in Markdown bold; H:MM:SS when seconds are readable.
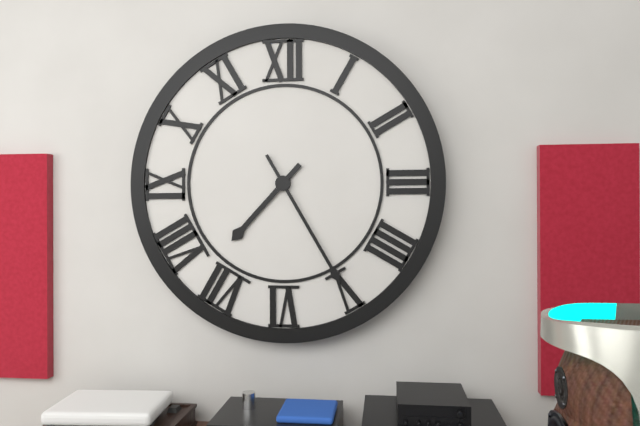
**7:25**
